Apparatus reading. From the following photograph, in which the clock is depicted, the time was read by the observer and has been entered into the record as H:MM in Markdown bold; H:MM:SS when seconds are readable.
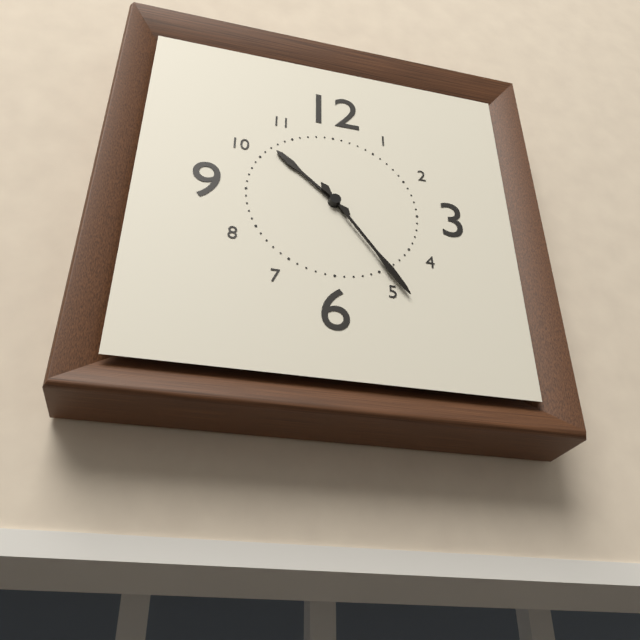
**10:24**
